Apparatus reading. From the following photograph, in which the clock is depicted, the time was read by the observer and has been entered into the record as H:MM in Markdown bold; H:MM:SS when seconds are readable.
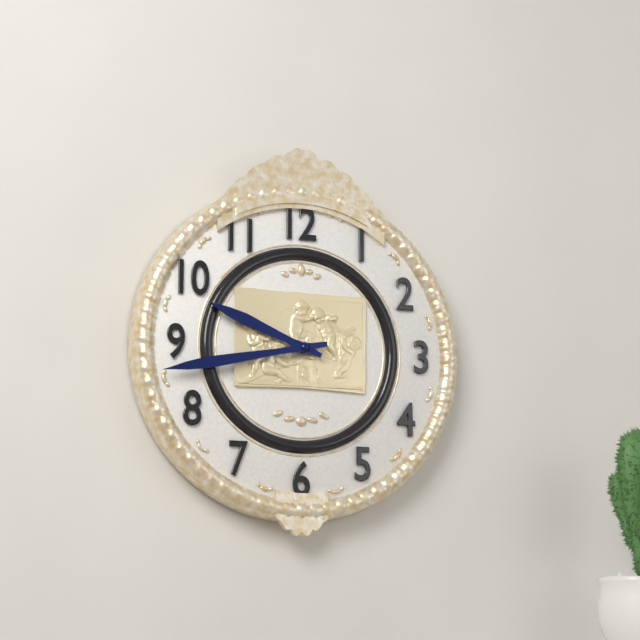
**9:43**
